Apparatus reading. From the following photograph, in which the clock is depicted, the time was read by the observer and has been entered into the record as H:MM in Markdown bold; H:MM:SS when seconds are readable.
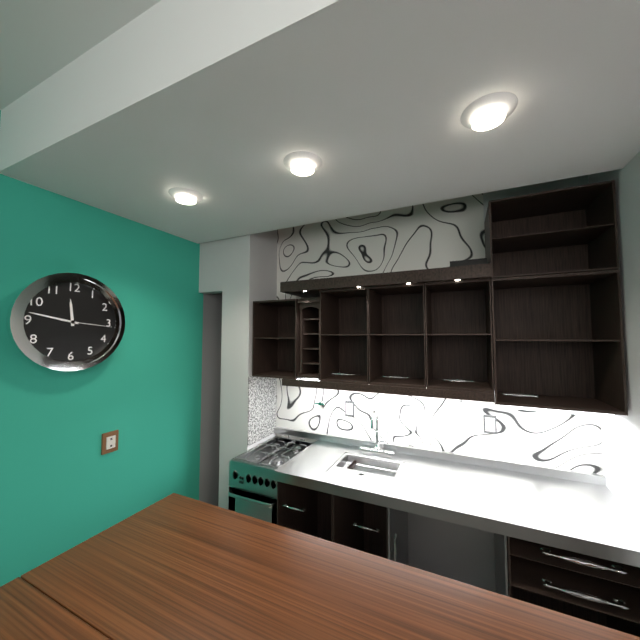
**11:47**
